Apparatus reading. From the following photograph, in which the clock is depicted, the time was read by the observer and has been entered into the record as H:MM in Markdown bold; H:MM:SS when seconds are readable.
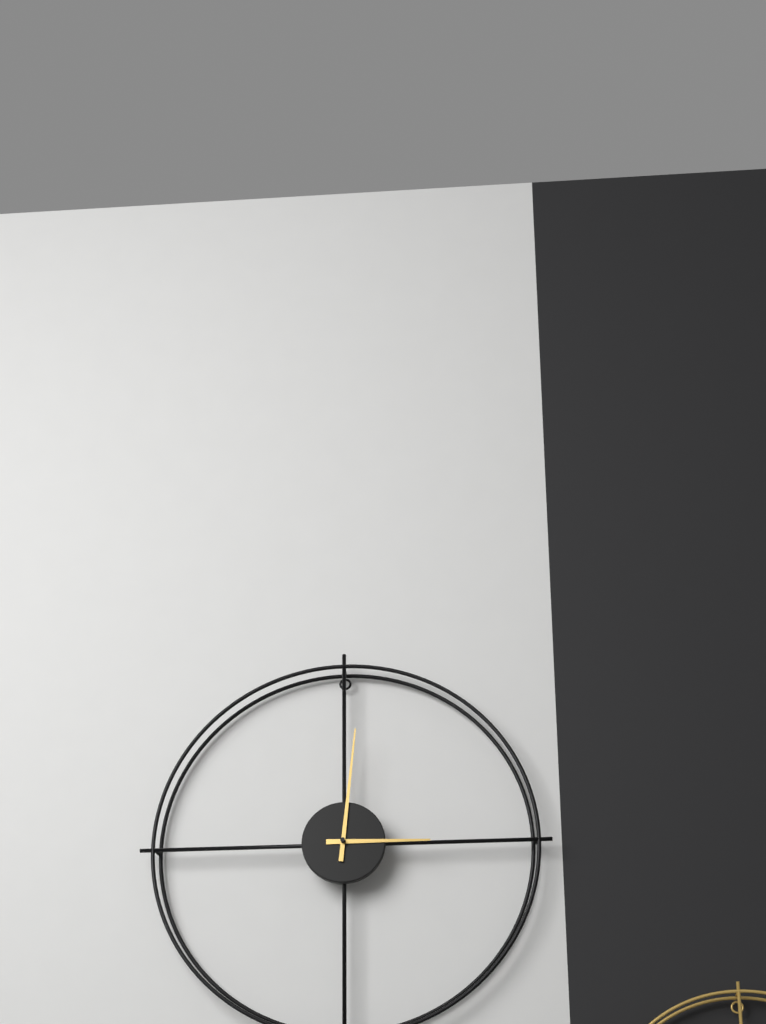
**3:01**
